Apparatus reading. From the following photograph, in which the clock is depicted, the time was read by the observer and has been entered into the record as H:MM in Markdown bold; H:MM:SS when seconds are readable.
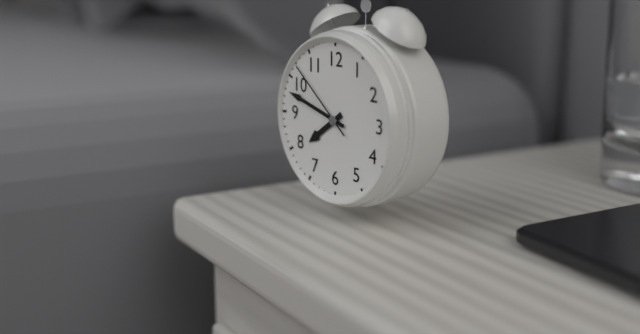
**7:48:52**
